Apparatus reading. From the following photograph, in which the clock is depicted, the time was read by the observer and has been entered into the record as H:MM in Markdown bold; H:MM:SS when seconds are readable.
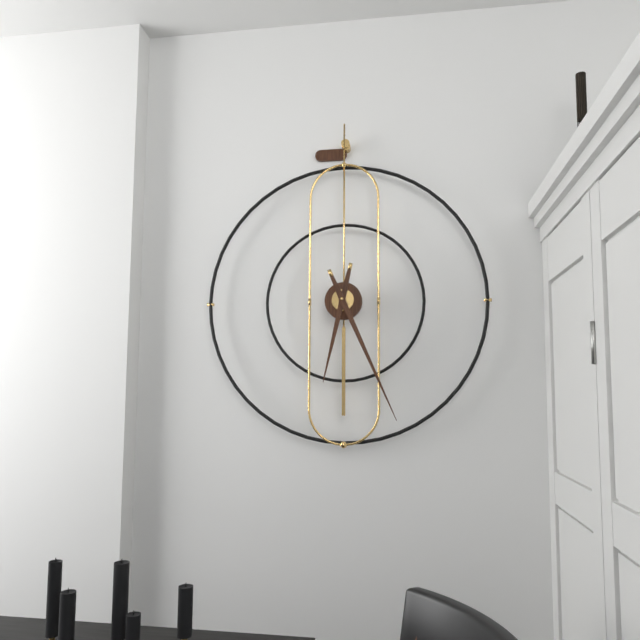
**6:26**
